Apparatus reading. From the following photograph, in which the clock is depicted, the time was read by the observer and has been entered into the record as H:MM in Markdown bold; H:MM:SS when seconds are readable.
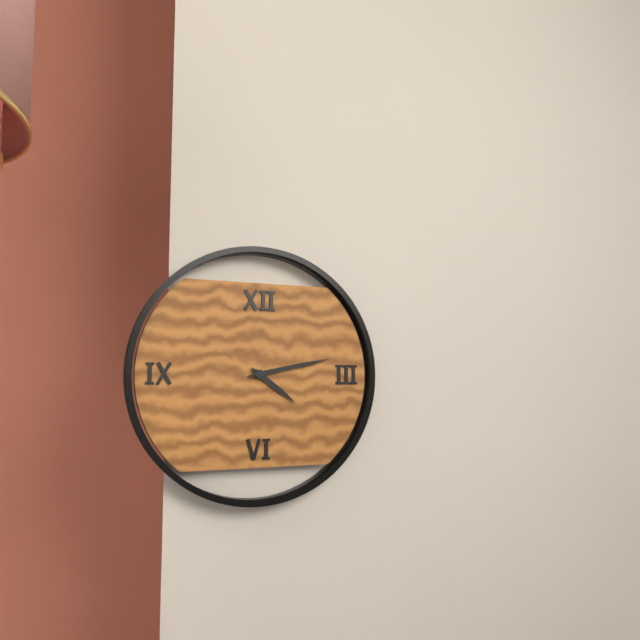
**4:13**
